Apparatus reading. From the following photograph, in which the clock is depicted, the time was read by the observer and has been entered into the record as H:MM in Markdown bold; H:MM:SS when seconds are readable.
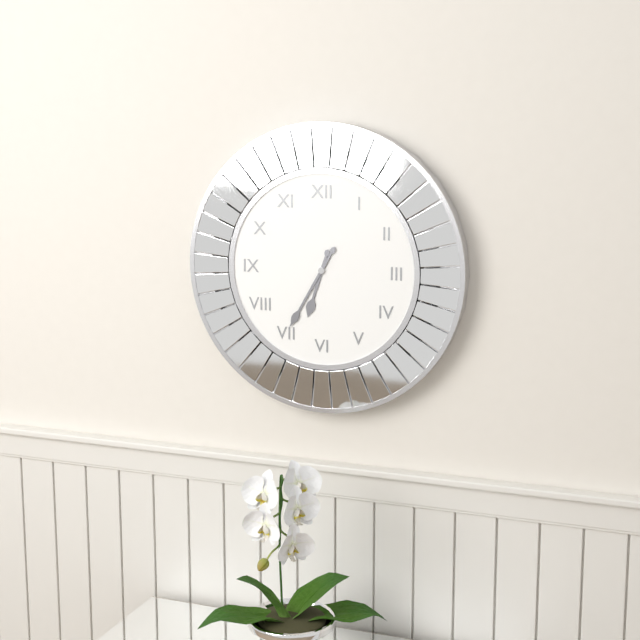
**6:35**
